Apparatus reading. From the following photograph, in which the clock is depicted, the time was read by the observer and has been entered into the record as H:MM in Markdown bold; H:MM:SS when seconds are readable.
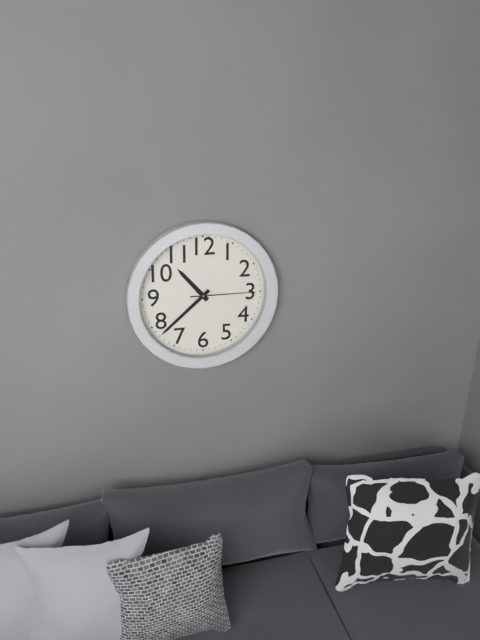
**10:38:15**
